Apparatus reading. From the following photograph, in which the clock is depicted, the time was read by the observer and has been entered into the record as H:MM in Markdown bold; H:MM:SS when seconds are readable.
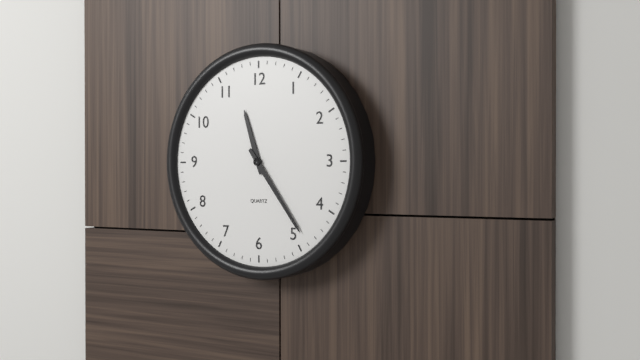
**11:24**
